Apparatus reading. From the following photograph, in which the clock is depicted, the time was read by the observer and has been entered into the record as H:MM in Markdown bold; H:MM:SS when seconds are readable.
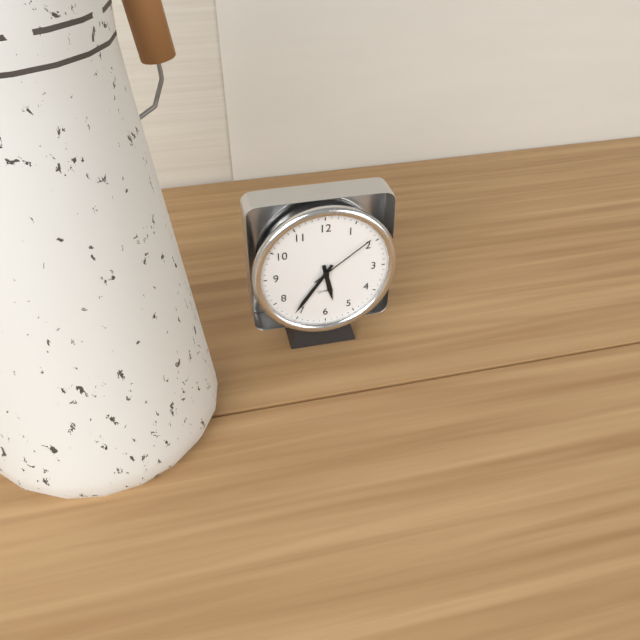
**5:36:09**
